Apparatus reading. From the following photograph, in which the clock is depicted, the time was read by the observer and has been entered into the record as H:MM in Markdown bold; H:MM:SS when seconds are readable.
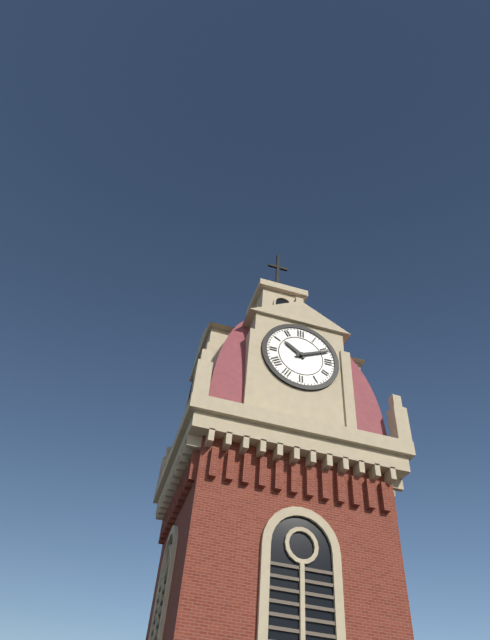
**10:11**
